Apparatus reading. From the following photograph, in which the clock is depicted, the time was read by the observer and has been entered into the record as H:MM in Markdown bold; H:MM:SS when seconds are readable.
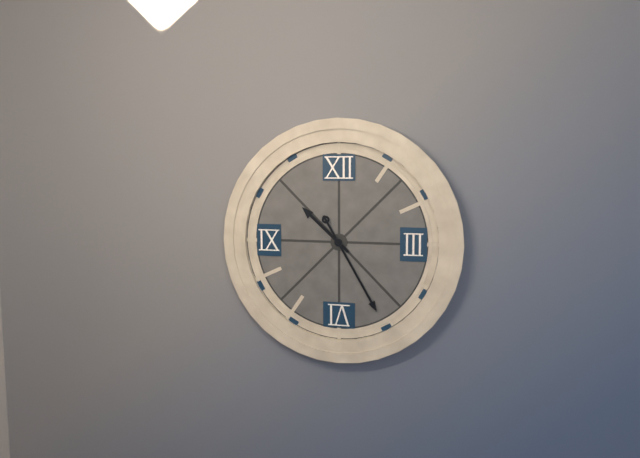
**10:25**
